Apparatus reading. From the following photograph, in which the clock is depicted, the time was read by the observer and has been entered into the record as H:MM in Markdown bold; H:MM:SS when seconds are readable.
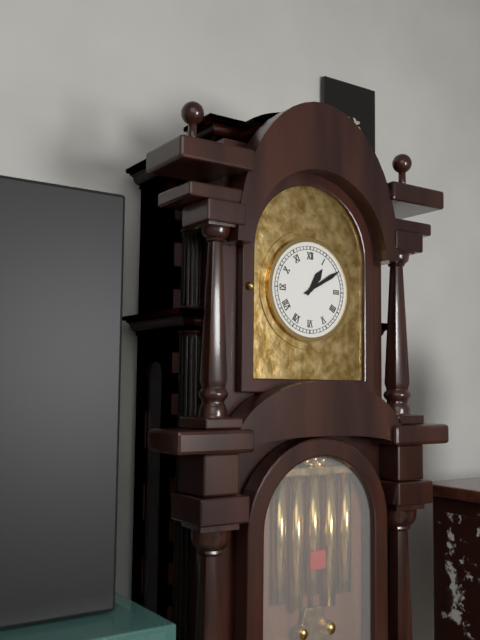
**1:10**
